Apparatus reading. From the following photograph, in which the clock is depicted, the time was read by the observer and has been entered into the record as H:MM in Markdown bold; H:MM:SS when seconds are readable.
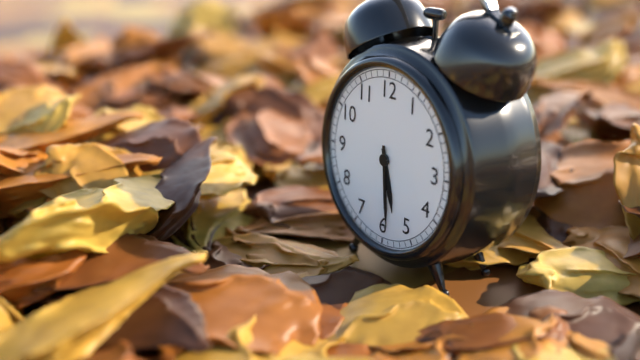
**5:29**
